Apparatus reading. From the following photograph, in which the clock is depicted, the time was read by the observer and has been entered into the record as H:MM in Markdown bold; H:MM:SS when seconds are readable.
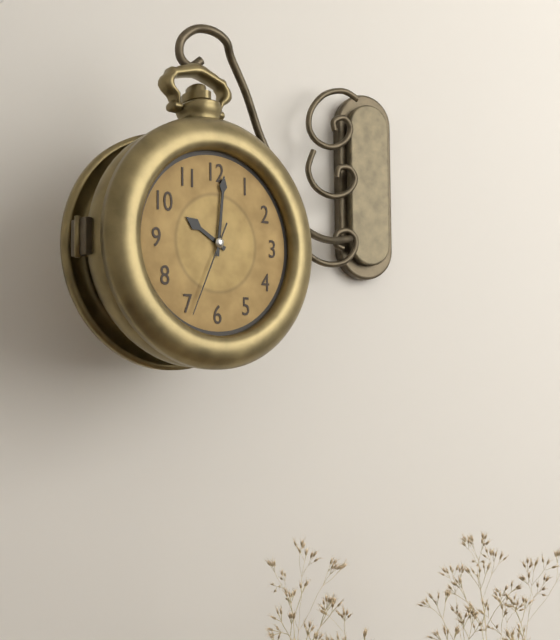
**10:01:34**
